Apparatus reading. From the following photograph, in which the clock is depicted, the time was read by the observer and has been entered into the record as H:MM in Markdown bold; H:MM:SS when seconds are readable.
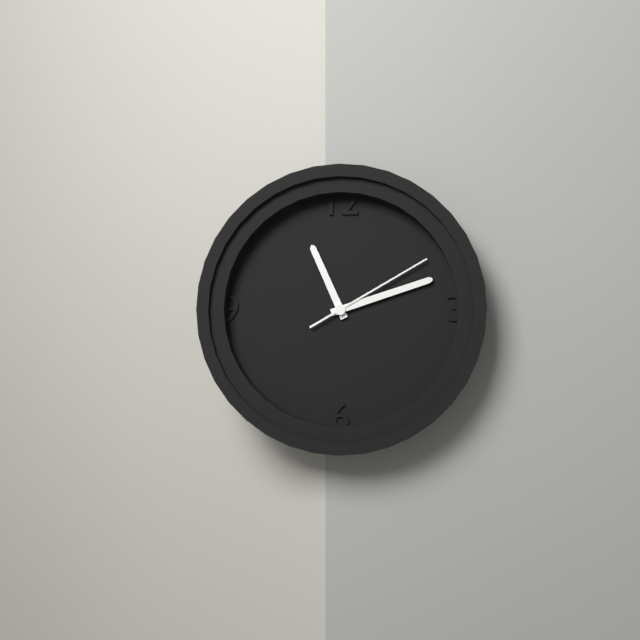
**11:12:10**
